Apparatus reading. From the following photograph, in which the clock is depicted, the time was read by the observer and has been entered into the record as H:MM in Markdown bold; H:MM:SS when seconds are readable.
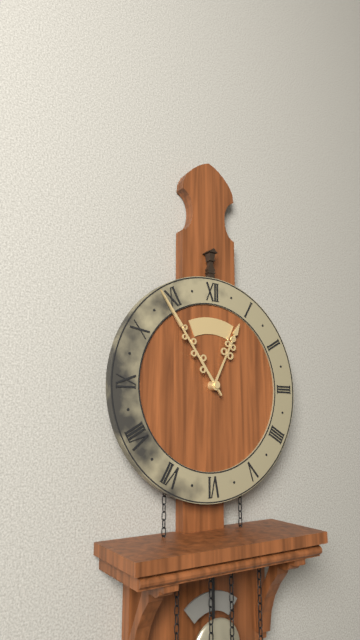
**12:54**
